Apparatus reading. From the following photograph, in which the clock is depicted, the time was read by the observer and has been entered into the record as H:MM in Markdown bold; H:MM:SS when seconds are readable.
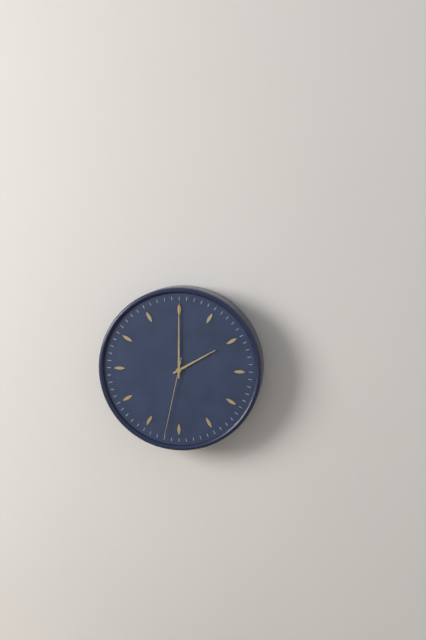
**2:00:32**
